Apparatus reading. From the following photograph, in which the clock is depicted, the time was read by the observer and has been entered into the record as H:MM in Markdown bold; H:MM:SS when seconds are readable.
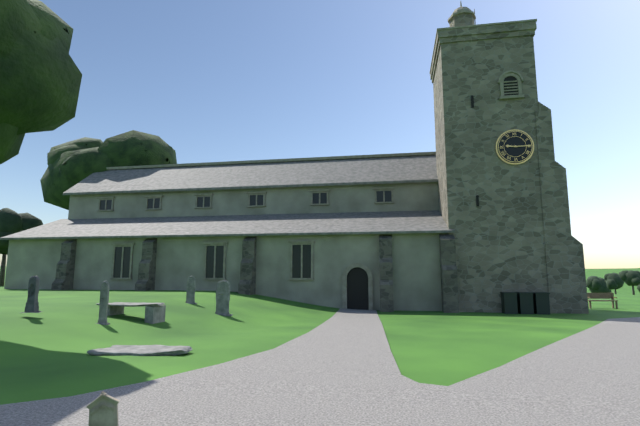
**9:15**
